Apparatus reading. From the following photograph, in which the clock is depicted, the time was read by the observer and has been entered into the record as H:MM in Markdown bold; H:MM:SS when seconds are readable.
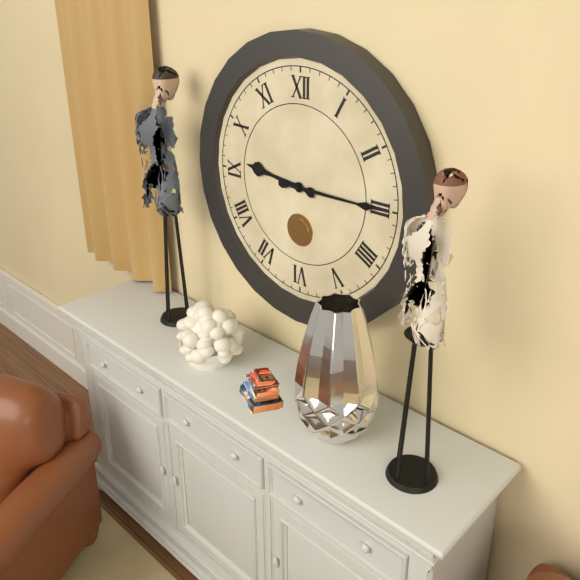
**9:15**
